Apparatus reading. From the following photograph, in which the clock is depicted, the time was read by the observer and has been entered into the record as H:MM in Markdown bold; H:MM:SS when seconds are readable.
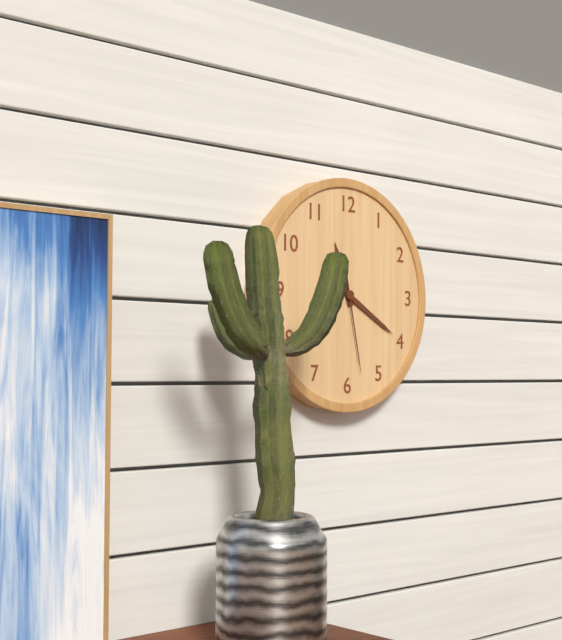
**11:20:28**
